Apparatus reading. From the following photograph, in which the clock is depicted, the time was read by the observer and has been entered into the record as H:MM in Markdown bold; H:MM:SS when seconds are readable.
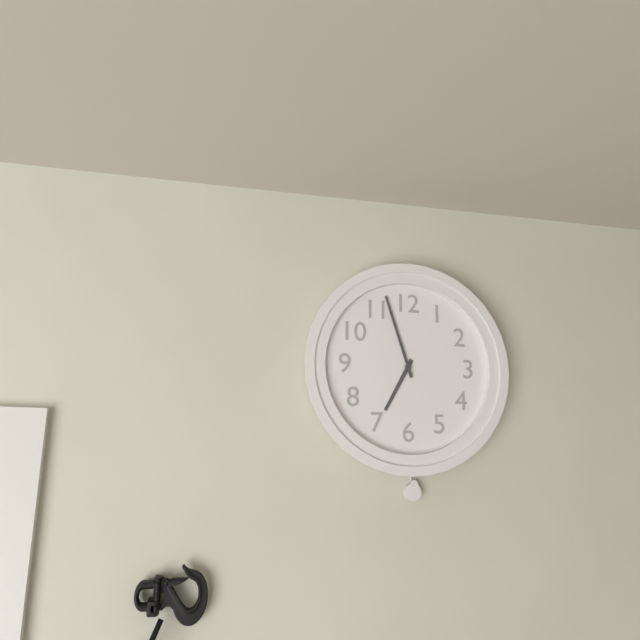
**6:57**
